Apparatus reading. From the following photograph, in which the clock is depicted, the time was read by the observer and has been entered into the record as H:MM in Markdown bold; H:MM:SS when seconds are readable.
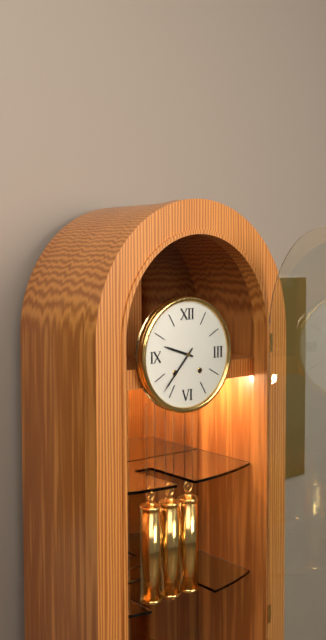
**9:37**
